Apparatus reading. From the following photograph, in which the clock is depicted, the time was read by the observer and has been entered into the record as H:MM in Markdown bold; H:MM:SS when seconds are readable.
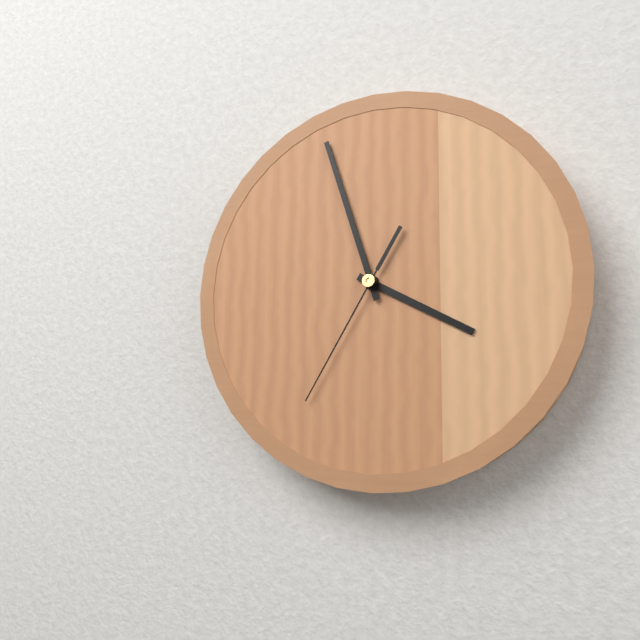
**3:57:35**
